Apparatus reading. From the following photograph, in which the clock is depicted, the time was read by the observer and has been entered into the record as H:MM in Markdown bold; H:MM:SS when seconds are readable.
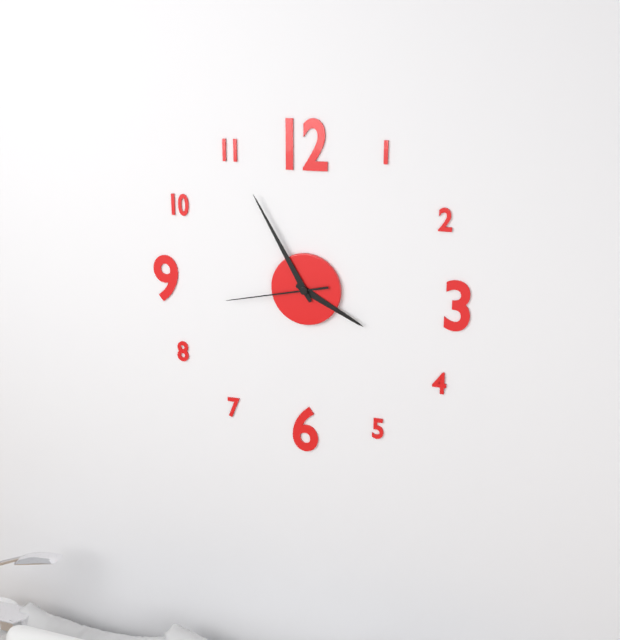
**3:55:43**
